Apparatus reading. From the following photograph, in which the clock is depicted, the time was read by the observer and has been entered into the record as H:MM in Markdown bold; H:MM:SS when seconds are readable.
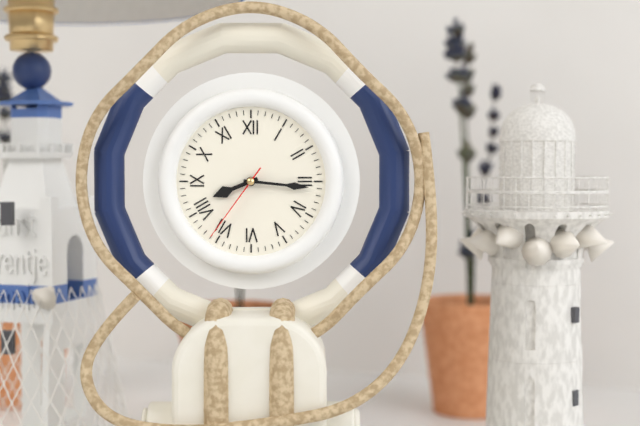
**8:16:36**
